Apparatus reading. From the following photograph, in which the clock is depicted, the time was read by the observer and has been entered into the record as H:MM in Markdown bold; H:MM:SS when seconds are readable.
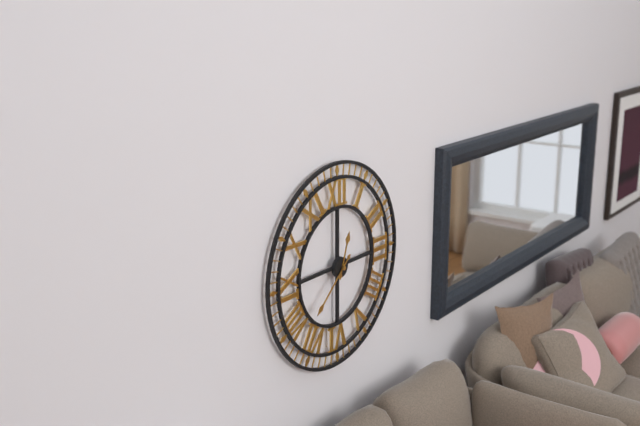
**12:38**
